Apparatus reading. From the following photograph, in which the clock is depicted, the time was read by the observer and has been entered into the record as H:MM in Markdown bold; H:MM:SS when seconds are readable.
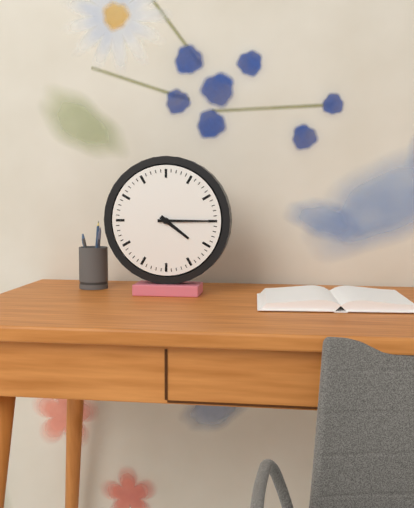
**4:15**
